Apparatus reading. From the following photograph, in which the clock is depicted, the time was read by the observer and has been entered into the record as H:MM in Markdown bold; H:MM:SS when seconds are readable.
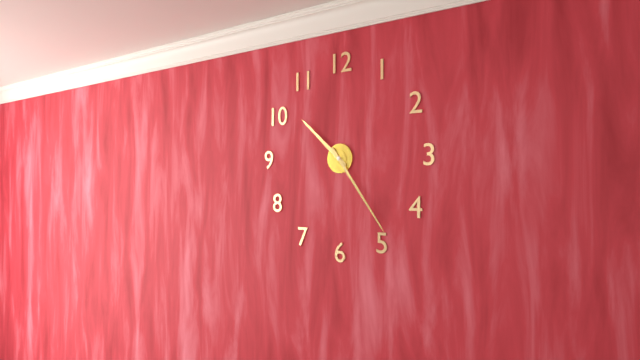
**10:24**
